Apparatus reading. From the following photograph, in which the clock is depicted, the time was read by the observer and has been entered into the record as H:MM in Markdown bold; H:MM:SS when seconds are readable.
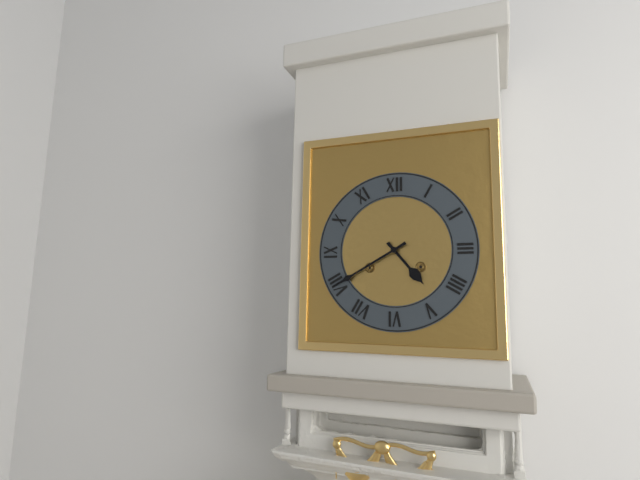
**4:40**
